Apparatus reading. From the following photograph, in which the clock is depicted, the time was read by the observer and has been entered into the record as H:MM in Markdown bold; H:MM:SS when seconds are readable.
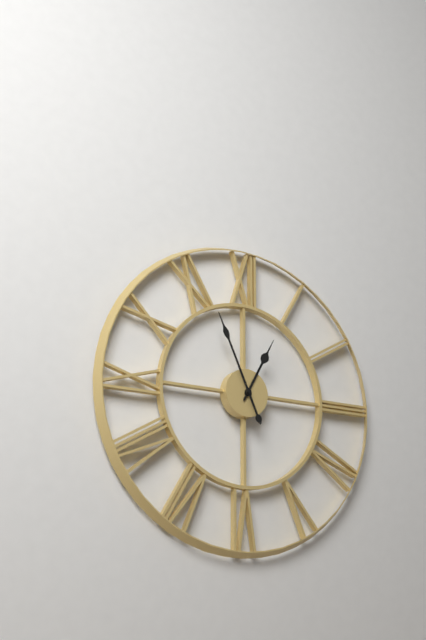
**12:56**
